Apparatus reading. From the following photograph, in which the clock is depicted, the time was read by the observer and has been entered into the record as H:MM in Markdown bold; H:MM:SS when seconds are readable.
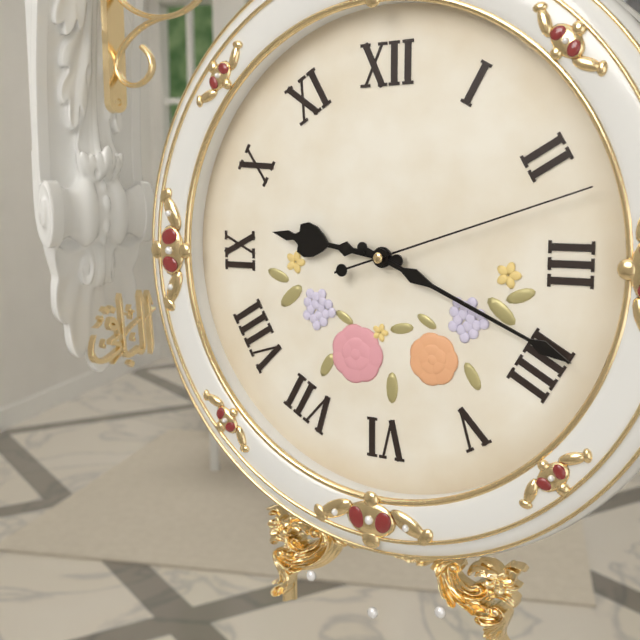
**9:19:12**
